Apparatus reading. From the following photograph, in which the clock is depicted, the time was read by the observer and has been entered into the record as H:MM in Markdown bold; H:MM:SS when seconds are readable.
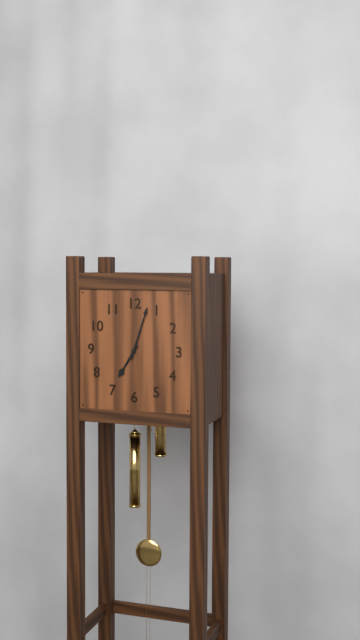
**7:03**
